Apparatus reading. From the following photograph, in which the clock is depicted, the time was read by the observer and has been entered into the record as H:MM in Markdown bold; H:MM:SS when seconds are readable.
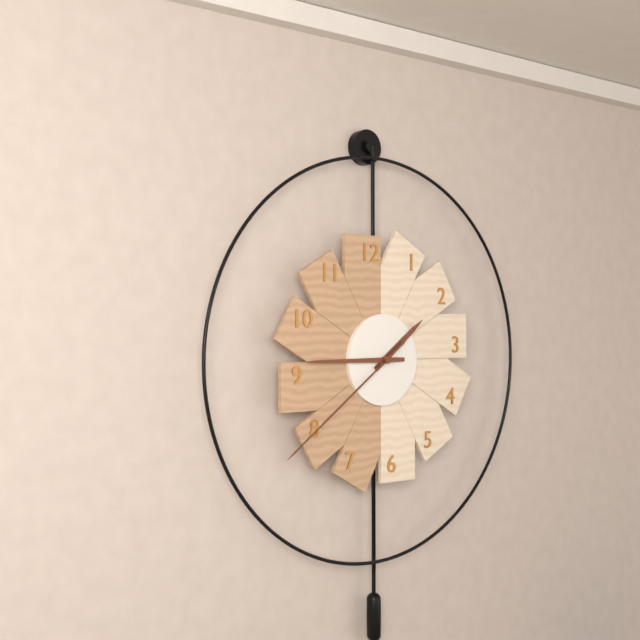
**1:45:39**
